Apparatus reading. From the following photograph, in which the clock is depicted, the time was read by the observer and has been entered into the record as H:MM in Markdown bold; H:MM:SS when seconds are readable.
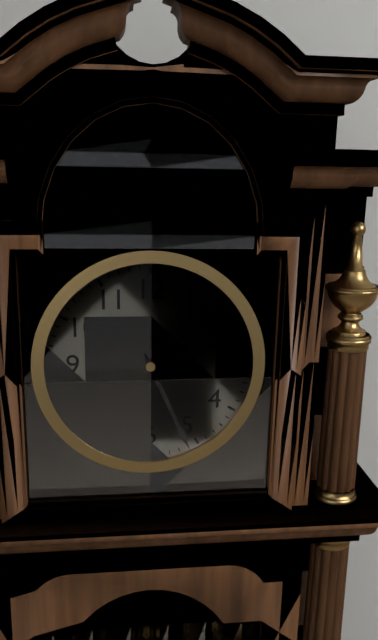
**10:26**
